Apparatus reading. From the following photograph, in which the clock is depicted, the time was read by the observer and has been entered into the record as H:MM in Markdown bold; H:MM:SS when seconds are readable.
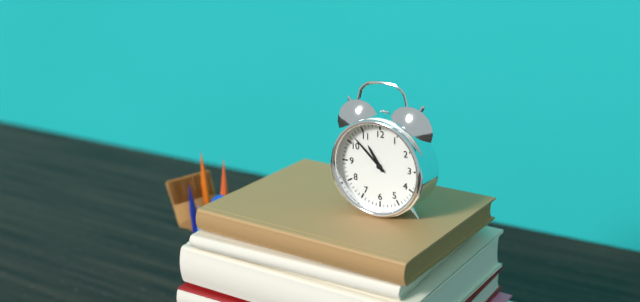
**10:52**
